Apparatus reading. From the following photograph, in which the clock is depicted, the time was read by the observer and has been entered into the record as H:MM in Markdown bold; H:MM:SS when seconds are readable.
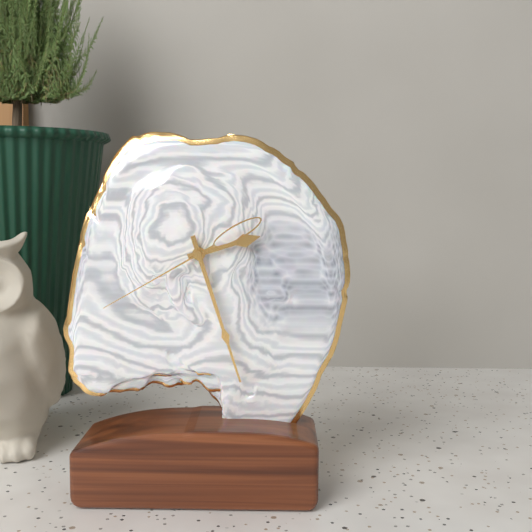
**2:27:40**
